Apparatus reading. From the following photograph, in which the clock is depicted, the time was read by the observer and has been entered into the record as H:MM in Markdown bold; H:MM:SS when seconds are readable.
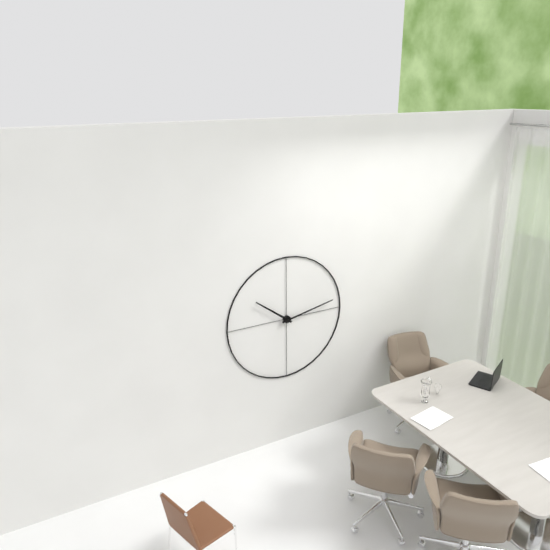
**10:13**
